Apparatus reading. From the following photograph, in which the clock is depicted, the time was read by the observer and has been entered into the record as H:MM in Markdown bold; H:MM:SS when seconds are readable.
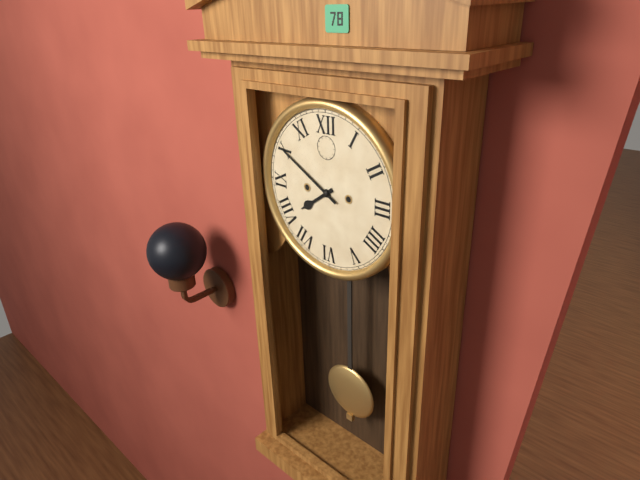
**7:50**
